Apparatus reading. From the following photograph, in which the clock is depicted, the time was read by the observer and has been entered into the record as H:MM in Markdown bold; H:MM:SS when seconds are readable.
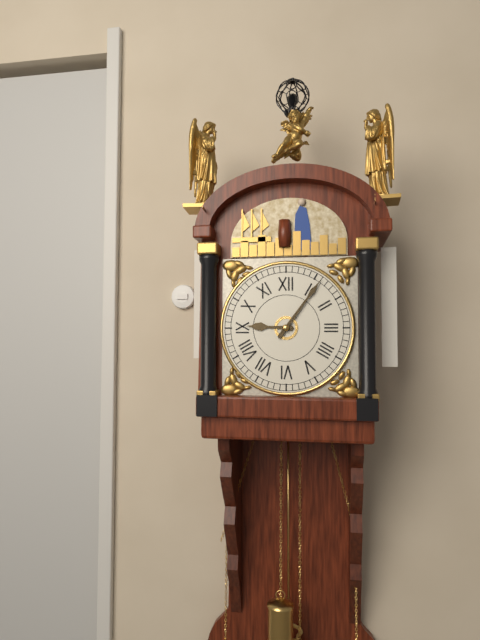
**9:06**
